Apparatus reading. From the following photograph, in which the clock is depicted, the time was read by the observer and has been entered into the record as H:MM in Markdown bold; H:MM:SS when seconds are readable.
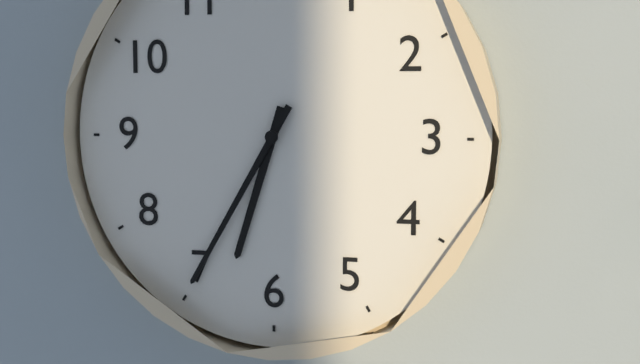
**6:35**
